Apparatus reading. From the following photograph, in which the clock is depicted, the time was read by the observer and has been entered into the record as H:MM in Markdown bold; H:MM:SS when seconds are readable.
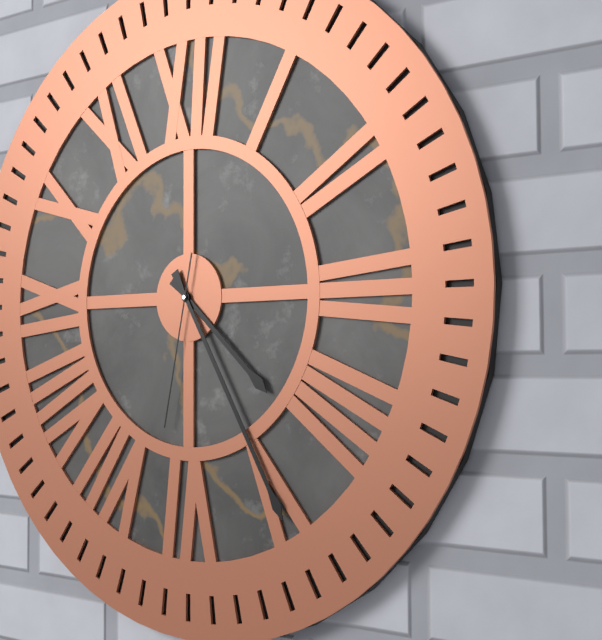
**4:25:32**
